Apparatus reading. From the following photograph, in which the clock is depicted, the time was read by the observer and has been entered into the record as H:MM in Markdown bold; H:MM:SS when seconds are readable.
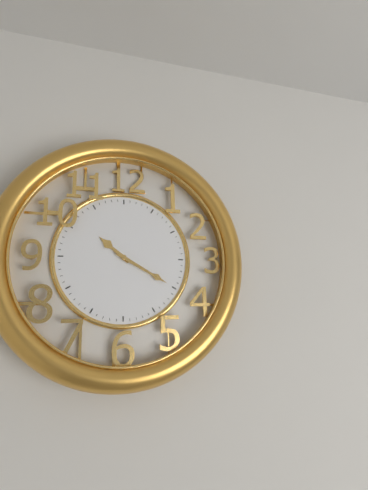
**10:20**
